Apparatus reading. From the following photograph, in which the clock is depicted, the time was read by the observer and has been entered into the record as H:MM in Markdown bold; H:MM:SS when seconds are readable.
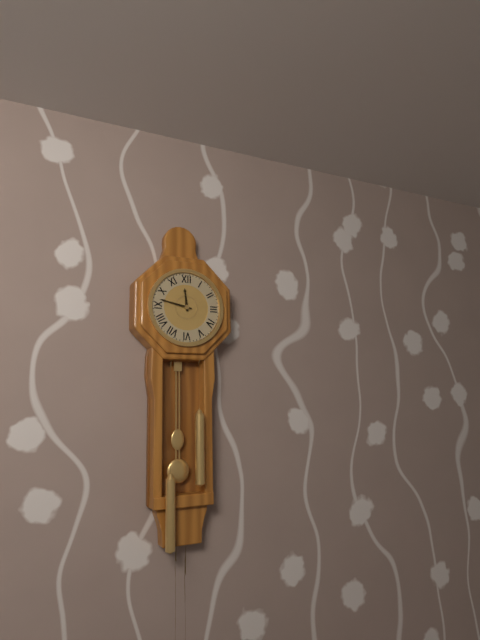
**11:47**
